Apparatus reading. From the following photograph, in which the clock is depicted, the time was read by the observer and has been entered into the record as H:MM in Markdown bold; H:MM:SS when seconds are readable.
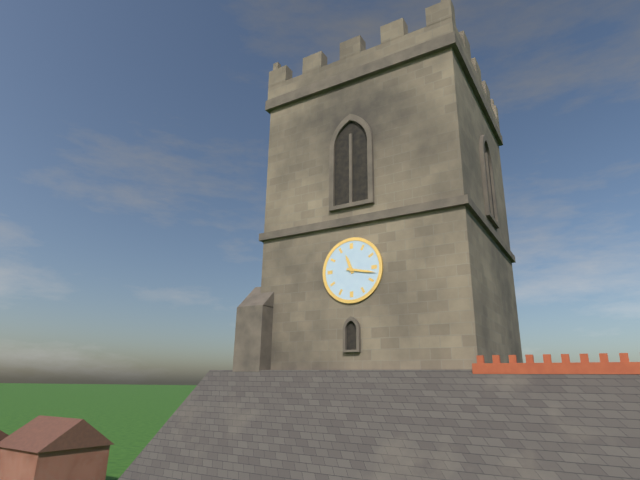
**11:17**
